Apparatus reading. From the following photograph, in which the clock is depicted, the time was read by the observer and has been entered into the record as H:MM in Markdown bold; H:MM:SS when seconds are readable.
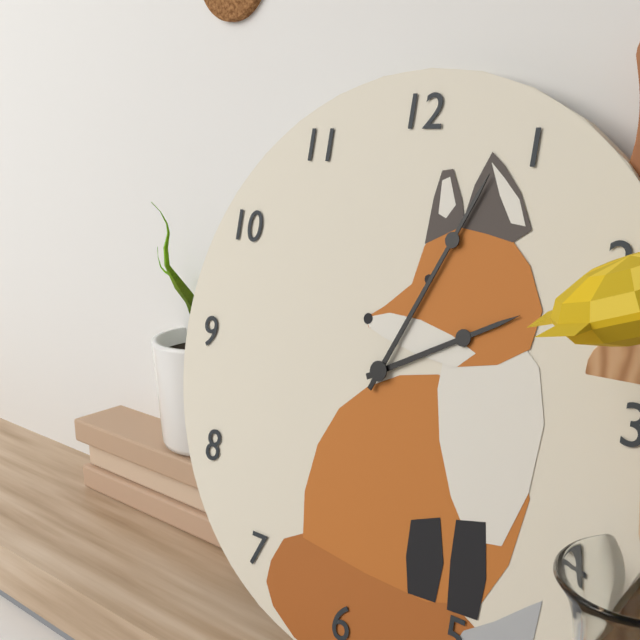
**2:04**
